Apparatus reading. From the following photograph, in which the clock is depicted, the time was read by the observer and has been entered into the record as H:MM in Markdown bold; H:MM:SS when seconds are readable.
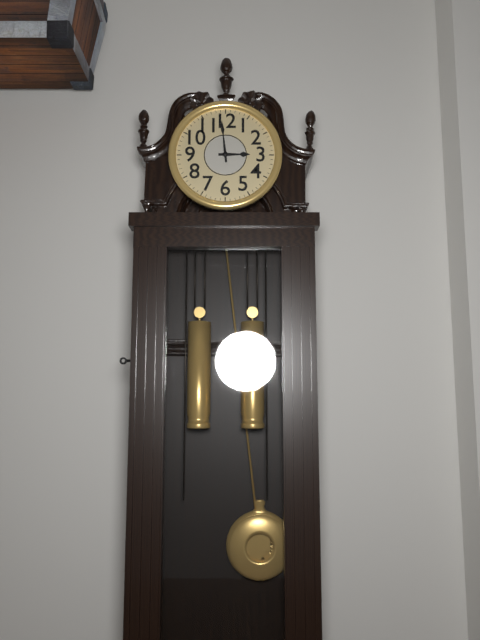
**2:59**
